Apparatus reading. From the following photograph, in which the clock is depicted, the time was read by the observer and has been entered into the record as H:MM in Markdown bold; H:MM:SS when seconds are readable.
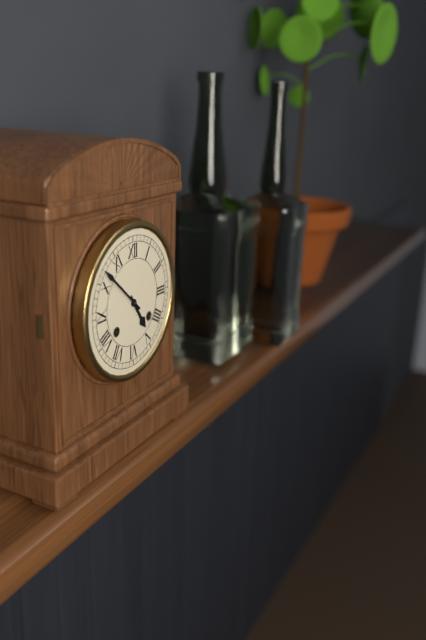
**4:52**
